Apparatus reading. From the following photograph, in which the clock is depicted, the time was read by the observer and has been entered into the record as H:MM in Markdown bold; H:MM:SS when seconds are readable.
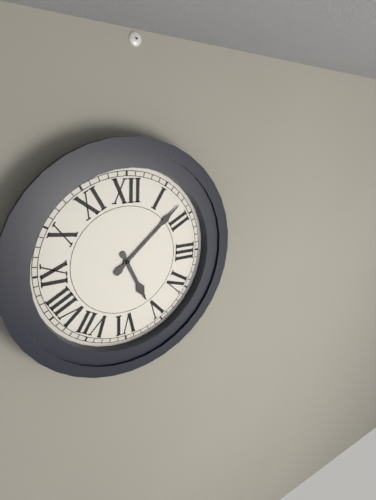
**5:08**
